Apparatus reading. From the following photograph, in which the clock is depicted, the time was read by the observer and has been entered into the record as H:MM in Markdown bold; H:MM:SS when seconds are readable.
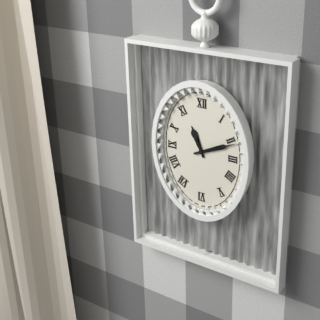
**11:11**
